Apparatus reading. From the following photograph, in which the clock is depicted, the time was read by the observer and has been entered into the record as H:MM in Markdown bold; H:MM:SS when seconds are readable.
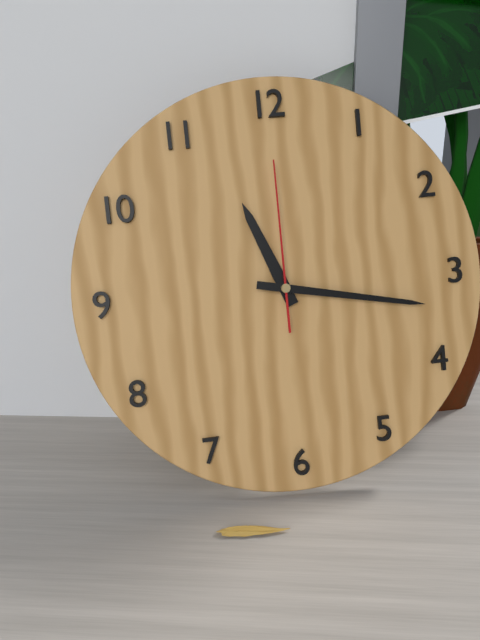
**11:17:00**
